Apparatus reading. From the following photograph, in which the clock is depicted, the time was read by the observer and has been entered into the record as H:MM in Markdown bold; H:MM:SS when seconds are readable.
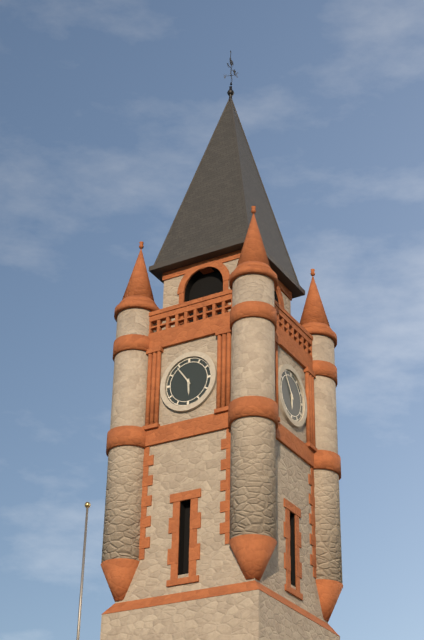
**5:54**
